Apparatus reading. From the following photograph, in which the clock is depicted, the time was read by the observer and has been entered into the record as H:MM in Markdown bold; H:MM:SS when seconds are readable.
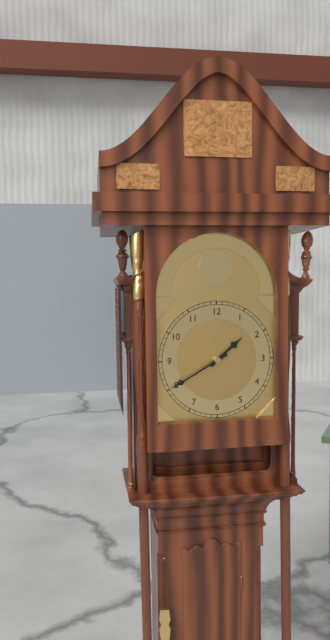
**1:40**
